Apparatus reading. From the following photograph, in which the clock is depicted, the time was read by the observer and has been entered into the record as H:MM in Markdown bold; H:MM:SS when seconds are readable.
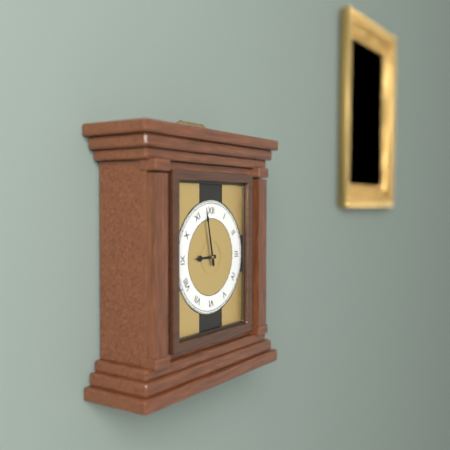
**8:58**
